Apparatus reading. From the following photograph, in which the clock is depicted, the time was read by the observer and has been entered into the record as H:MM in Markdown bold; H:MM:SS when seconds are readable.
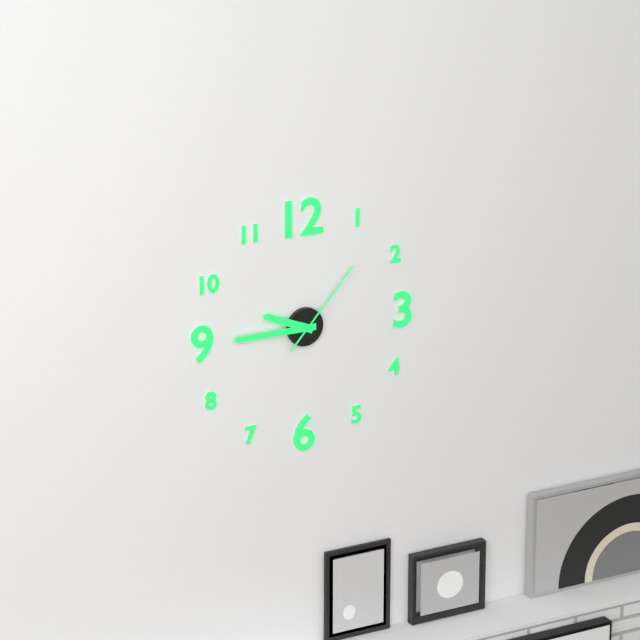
**9:45:07**
